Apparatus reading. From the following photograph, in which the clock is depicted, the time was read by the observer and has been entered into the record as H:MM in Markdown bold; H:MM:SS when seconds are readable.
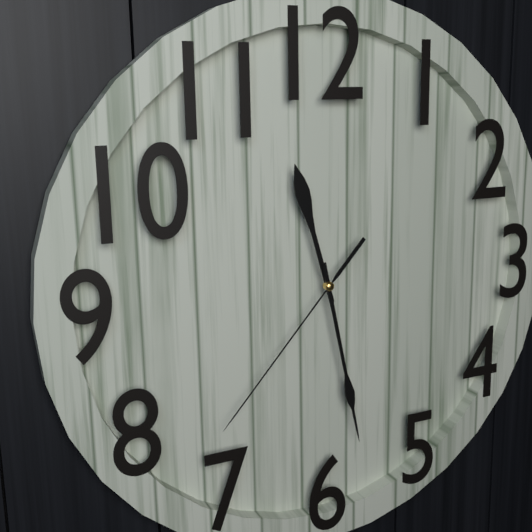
**11:28:37**
